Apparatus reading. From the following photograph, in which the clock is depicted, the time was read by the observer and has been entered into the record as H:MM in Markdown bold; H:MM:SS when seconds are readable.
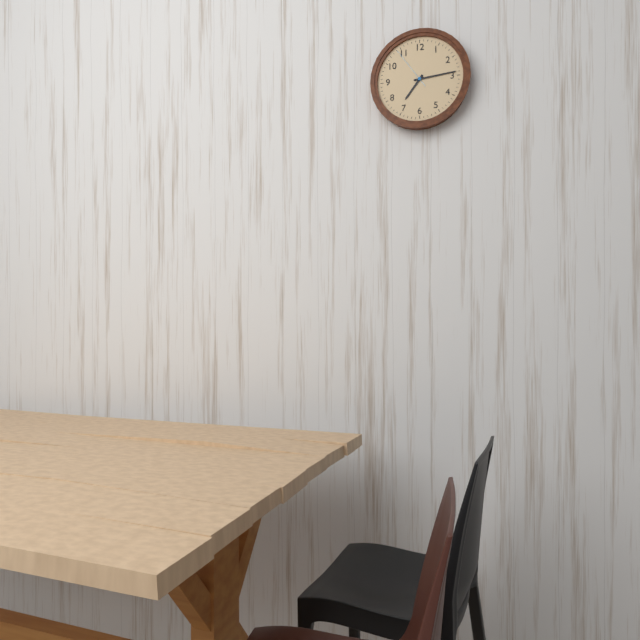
**7:14**
